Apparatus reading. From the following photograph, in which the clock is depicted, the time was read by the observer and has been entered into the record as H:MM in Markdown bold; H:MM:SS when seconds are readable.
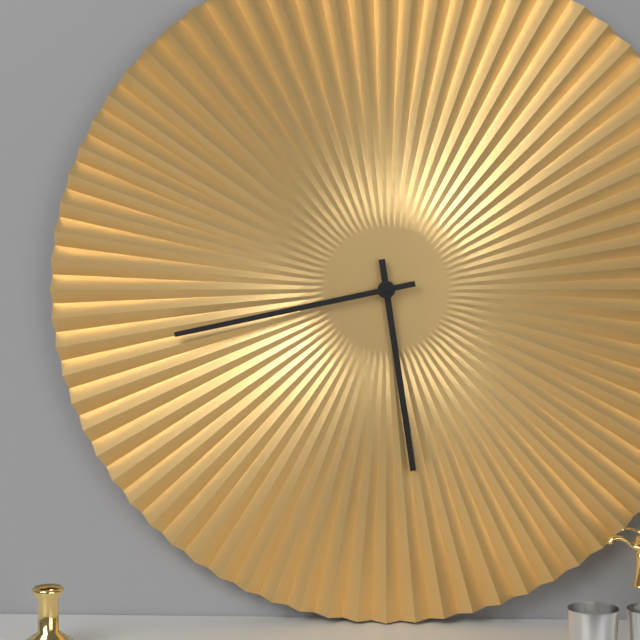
**5:43**
